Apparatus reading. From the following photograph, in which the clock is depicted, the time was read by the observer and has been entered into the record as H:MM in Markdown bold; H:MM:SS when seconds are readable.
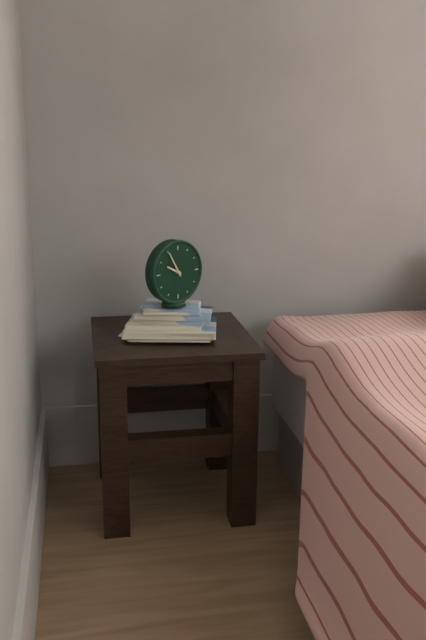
**9:55**
